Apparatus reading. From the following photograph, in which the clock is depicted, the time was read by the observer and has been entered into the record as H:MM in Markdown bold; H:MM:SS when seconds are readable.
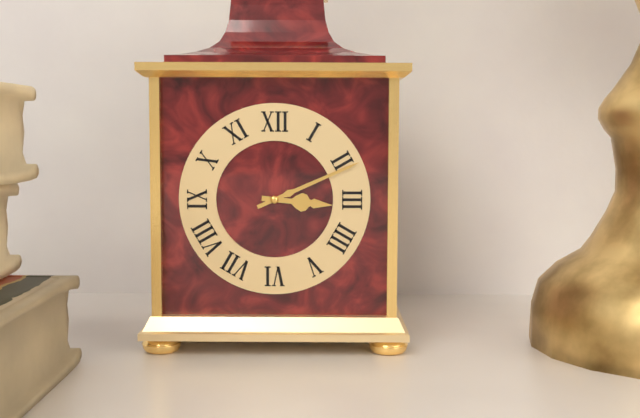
**3:11**
